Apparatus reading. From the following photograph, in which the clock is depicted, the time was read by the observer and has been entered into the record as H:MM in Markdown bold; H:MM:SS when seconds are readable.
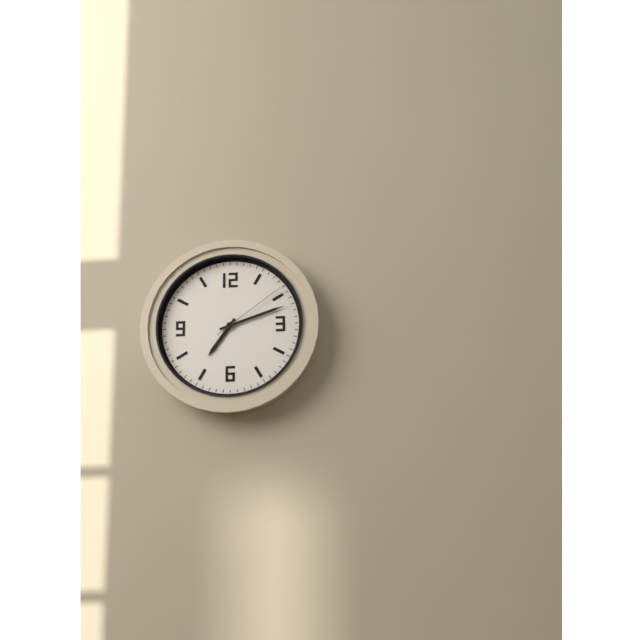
**7:12:09**
